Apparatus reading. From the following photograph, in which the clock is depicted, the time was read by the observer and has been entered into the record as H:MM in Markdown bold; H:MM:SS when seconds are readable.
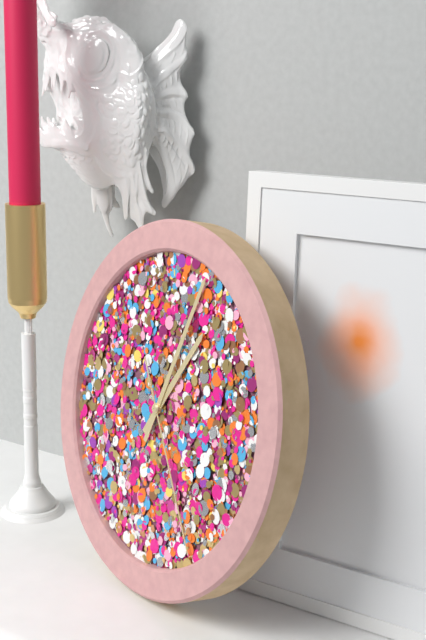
**1:03:24**
